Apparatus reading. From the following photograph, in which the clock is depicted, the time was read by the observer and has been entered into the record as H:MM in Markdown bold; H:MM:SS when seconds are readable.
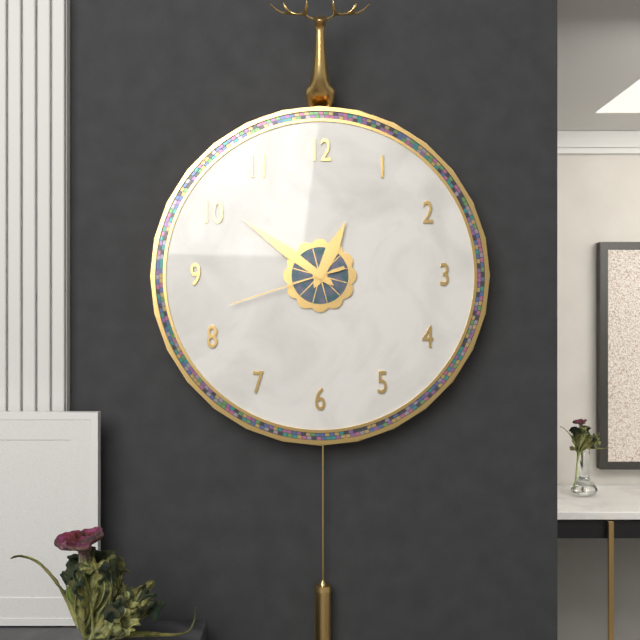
**12:51:42**
